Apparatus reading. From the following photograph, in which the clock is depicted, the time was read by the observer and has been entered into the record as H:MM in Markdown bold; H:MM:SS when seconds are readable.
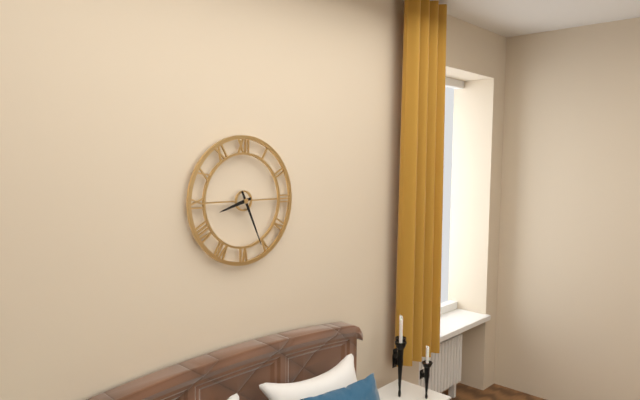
**8:26**
